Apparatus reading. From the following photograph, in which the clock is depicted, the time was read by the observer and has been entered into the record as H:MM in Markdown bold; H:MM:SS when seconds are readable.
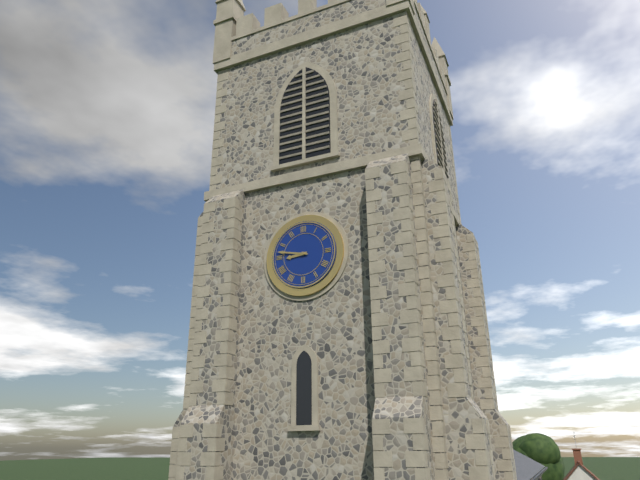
**8:47**
